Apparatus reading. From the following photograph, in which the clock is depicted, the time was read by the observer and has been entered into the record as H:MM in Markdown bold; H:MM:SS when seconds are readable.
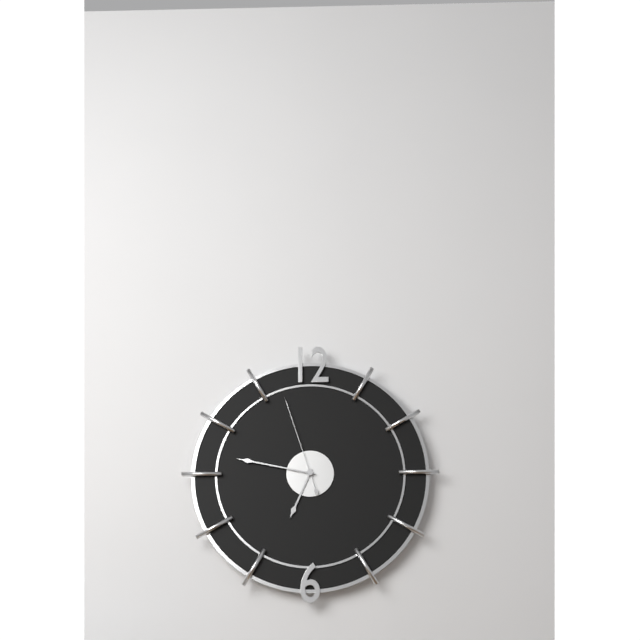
**6:47:57**
